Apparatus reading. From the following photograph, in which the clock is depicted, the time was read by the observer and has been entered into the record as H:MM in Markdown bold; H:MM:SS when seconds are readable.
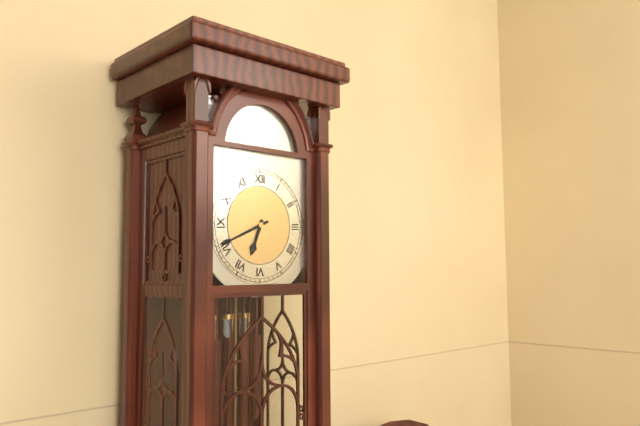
**6:41**
